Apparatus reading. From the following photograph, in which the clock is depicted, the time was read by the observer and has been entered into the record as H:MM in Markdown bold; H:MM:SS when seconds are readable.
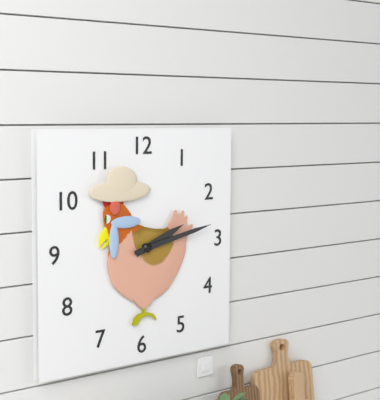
**2:13**
